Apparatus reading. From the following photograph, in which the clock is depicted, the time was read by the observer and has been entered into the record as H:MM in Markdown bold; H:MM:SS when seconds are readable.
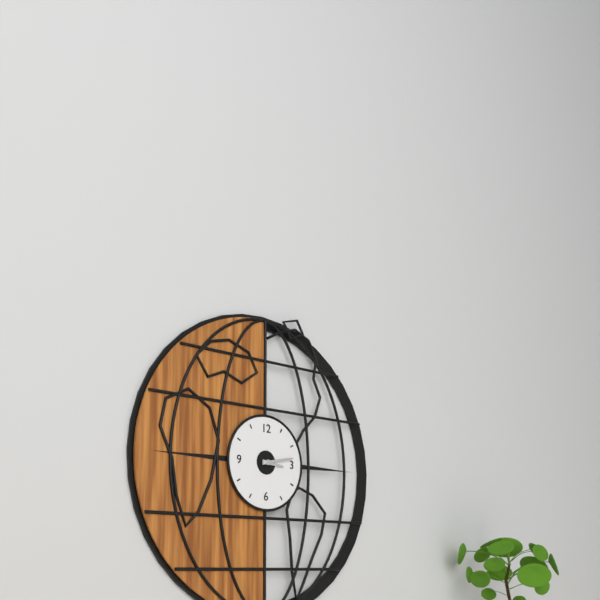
**3:13**
